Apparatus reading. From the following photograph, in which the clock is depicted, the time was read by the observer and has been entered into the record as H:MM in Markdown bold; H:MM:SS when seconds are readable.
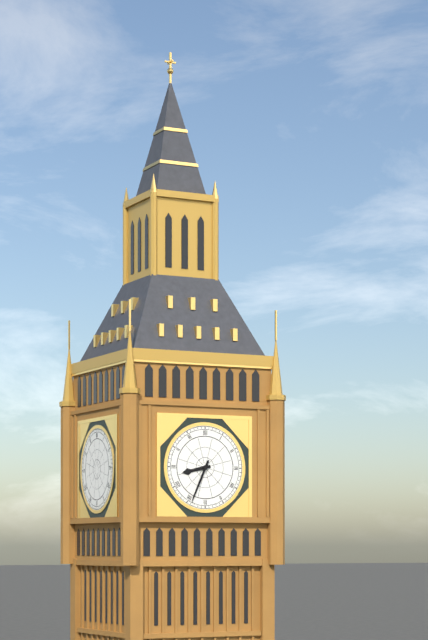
**8:34**
